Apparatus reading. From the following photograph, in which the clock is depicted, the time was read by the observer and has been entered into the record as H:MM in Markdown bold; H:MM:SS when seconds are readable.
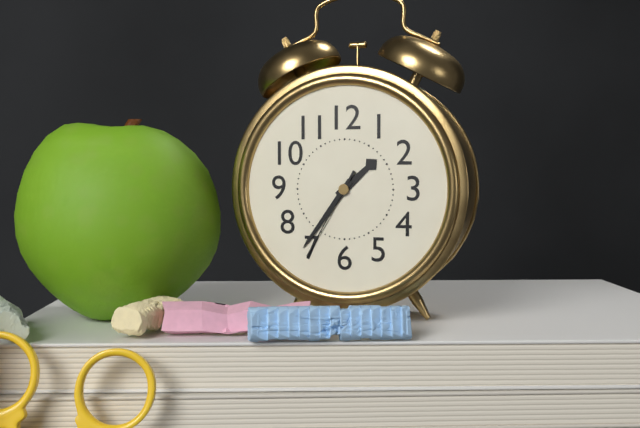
**1:36:35**
